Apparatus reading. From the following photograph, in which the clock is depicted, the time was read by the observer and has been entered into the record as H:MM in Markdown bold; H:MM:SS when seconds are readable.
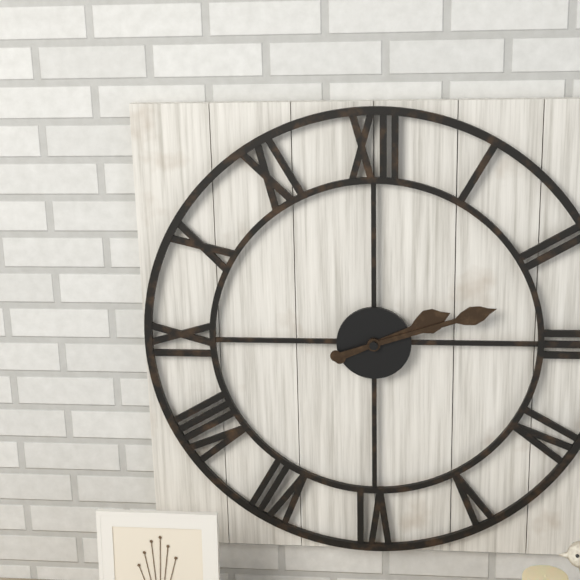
**2:12**
